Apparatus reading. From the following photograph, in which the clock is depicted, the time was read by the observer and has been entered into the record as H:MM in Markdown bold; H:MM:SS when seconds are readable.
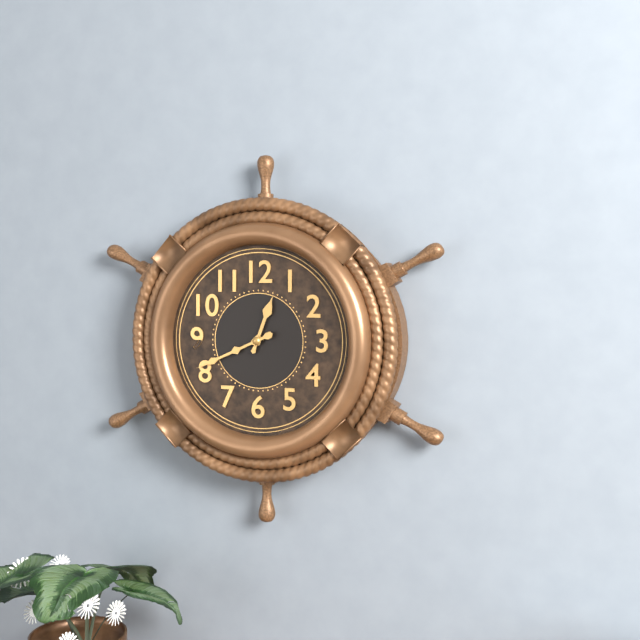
**12:41**
